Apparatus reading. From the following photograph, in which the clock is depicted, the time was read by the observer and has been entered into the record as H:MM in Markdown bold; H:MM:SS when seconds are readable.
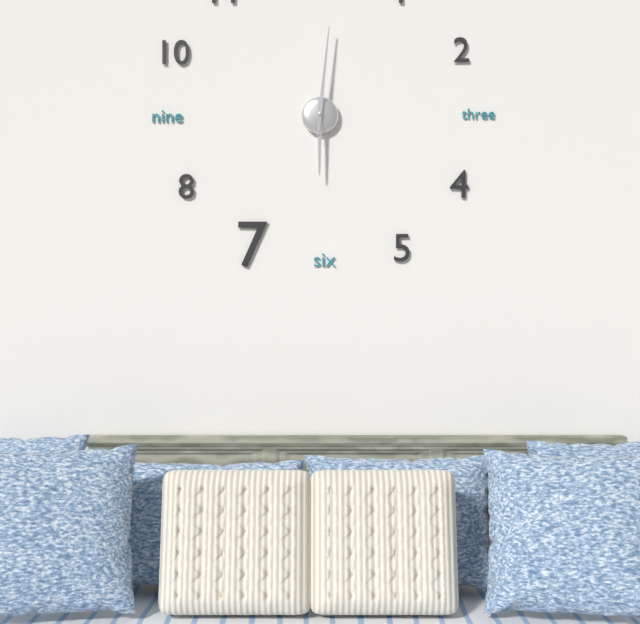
**6:01**
